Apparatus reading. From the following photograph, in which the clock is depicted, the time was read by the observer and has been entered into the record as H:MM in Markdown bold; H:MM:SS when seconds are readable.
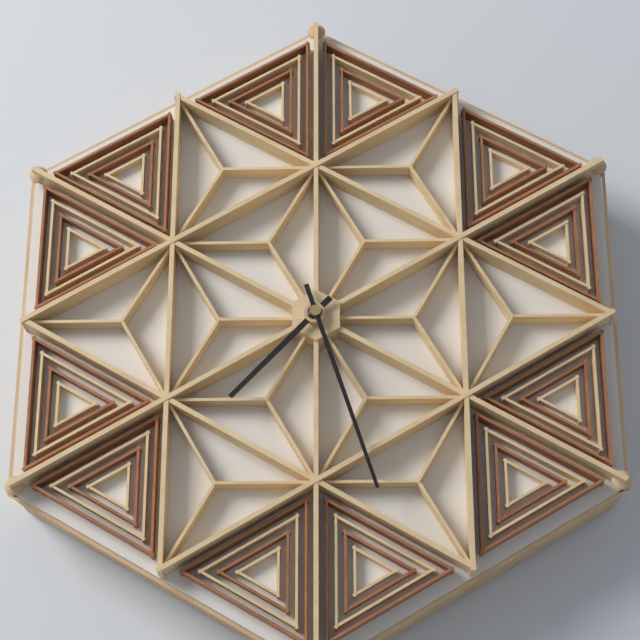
**7:27**
